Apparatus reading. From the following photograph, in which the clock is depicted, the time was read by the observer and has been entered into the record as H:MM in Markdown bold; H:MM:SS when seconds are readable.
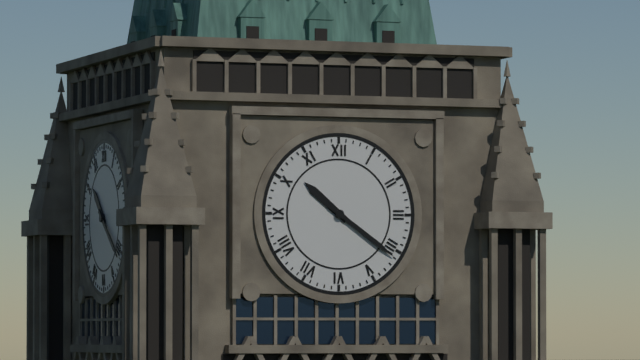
**10:21**
